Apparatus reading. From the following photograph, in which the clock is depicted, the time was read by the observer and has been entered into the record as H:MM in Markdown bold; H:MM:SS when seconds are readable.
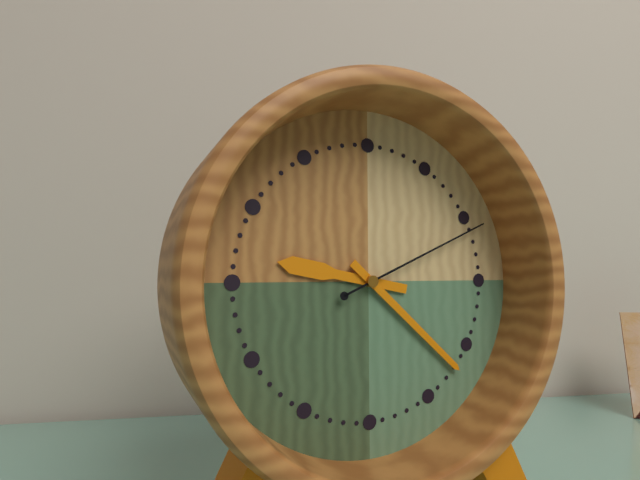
**9:22:11**
